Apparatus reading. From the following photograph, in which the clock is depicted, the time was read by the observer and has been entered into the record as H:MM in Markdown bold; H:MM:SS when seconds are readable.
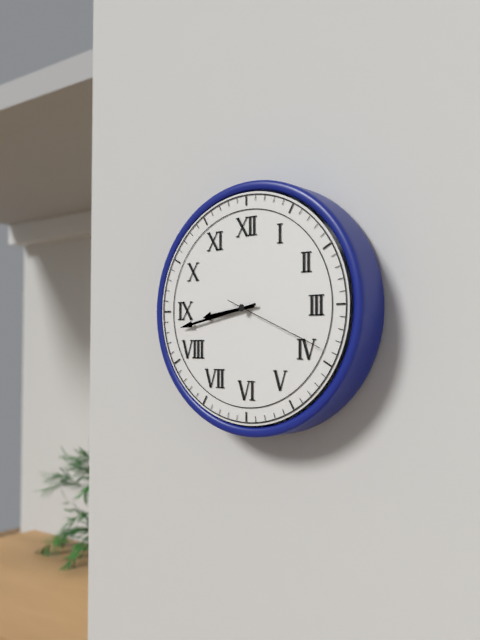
**8:43:19**
